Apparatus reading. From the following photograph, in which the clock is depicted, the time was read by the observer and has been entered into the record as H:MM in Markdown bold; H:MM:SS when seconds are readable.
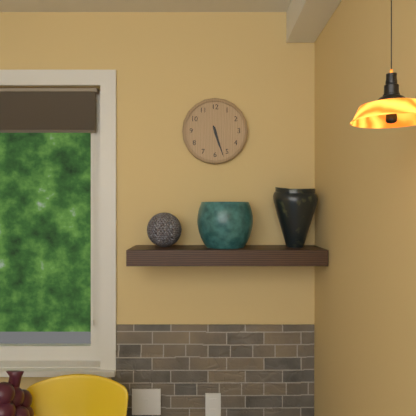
**5:27**
